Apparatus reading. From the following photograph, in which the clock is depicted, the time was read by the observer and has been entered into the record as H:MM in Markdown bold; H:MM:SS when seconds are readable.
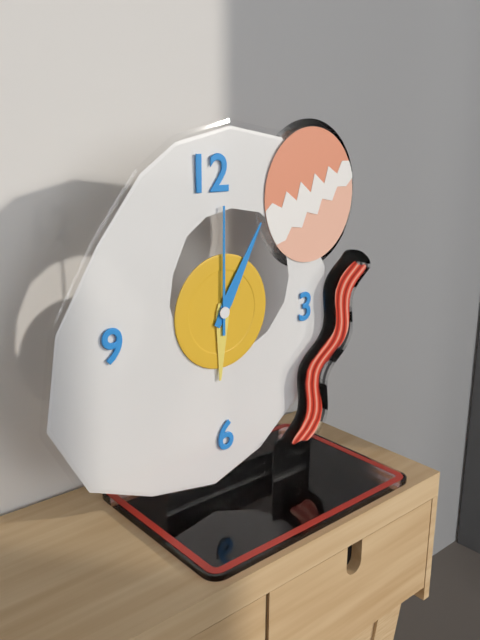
**6:05:00**
